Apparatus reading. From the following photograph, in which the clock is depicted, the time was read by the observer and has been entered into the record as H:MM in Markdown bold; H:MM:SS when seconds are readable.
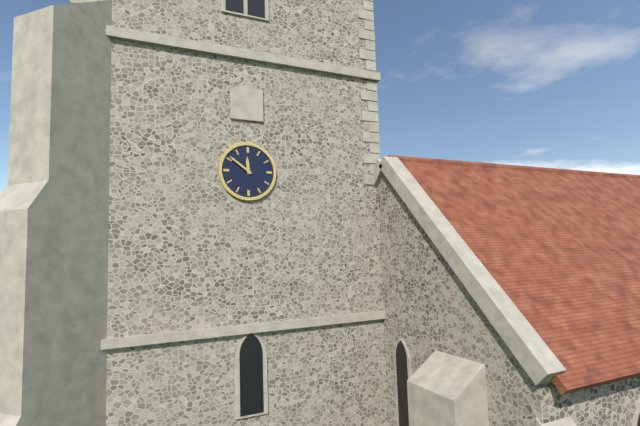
**11:51**
